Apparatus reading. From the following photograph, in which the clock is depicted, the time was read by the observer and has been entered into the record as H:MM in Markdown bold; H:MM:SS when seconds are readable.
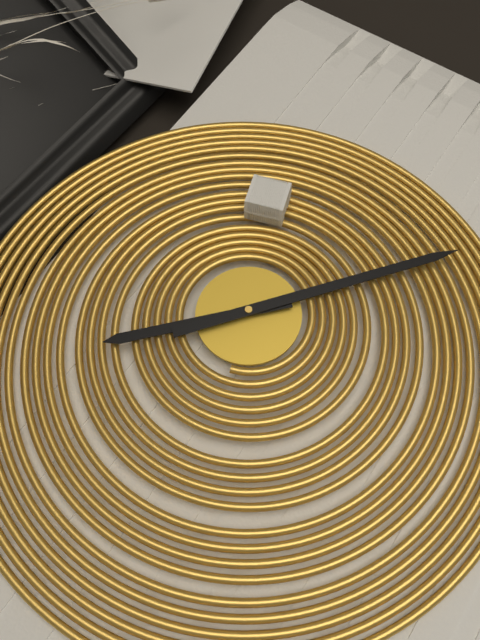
**10:21**
